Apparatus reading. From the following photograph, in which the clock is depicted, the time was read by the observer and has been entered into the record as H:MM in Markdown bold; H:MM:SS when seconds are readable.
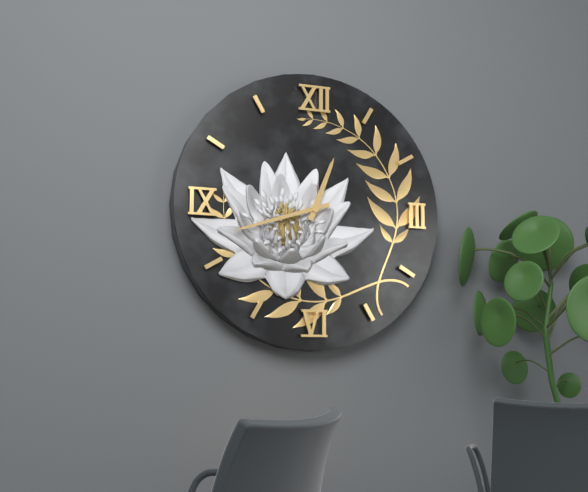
**12:42**
